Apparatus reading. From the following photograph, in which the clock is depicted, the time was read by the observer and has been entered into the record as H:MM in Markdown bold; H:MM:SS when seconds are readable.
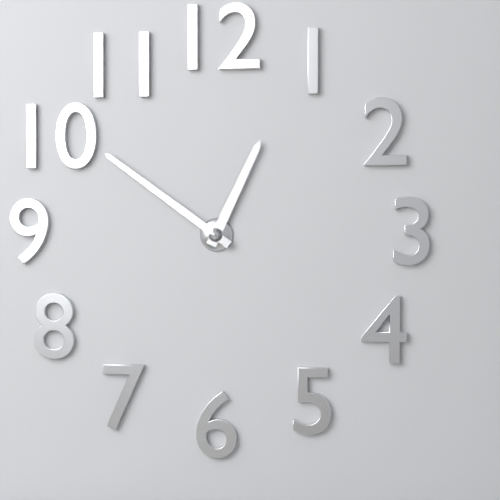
**12:51**
